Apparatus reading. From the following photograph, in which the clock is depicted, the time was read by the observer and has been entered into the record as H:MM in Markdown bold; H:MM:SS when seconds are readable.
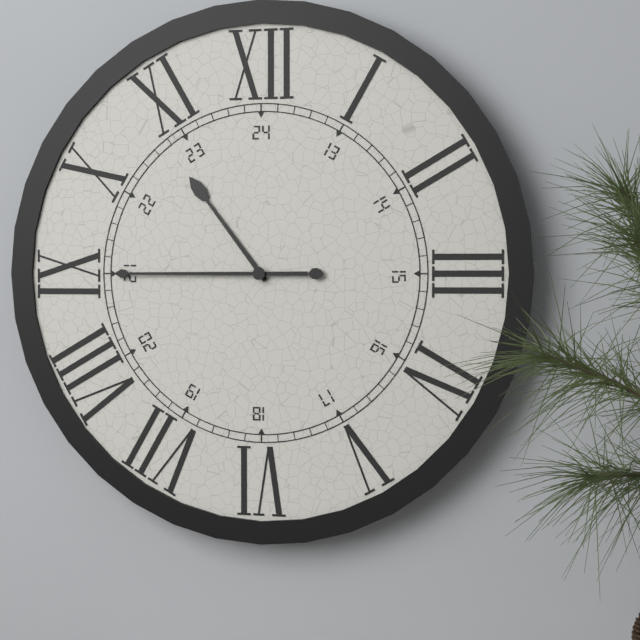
**10:45**
